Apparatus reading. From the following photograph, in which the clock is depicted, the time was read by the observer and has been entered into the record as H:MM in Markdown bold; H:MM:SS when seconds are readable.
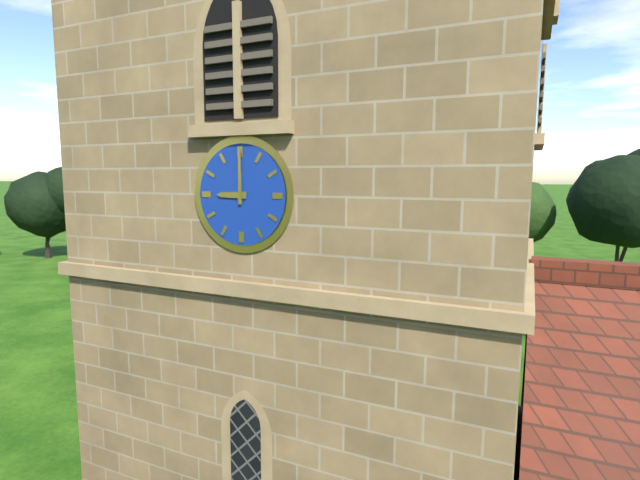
**9:00**
